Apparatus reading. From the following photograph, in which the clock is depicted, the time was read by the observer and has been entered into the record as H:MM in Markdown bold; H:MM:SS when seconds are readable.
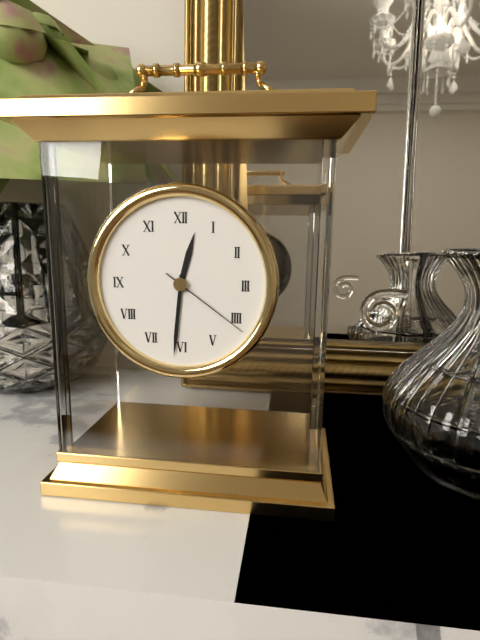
**12:31:21**
